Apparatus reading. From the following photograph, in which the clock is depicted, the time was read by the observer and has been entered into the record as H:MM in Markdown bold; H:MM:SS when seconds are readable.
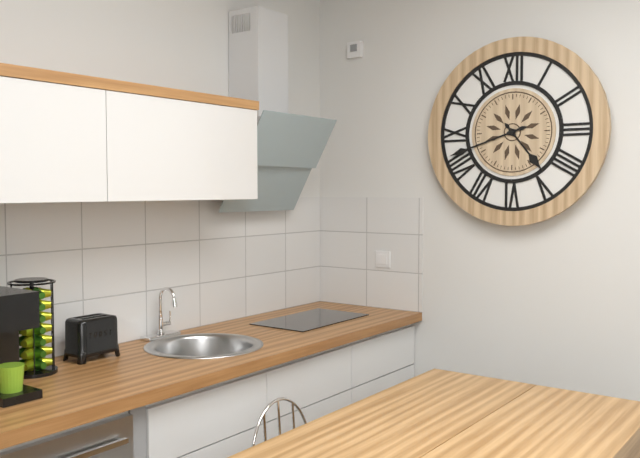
**4:42**
